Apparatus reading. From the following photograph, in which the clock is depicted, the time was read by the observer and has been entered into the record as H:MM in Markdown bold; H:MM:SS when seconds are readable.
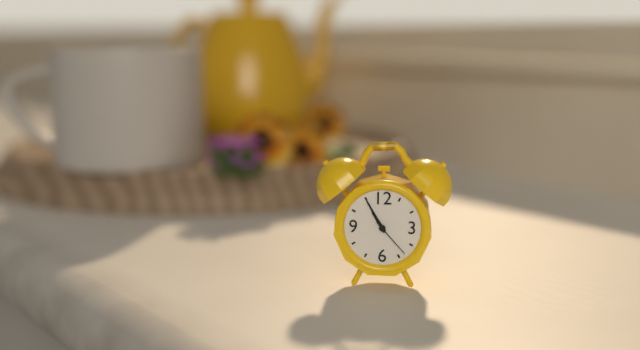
**10:55**
